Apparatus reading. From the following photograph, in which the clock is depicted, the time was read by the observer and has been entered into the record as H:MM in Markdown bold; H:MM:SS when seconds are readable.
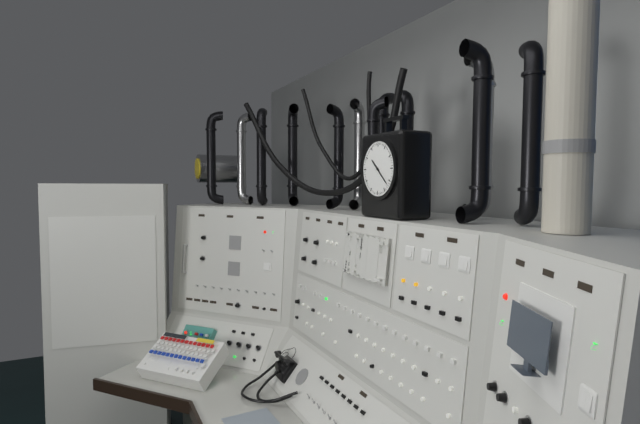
**10:22**
